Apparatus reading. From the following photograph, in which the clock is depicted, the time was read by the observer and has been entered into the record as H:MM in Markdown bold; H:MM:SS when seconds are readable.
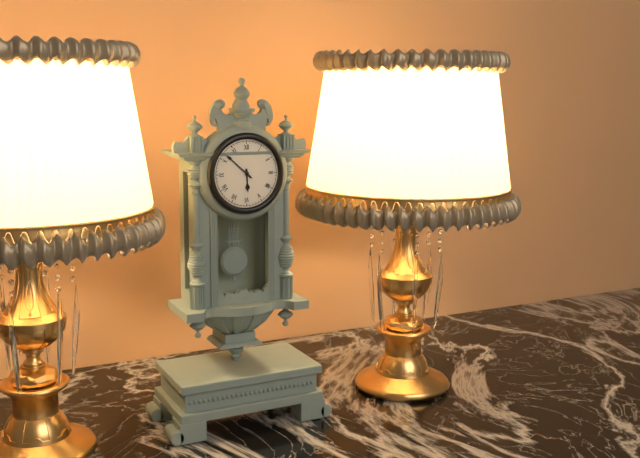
**5:52**
